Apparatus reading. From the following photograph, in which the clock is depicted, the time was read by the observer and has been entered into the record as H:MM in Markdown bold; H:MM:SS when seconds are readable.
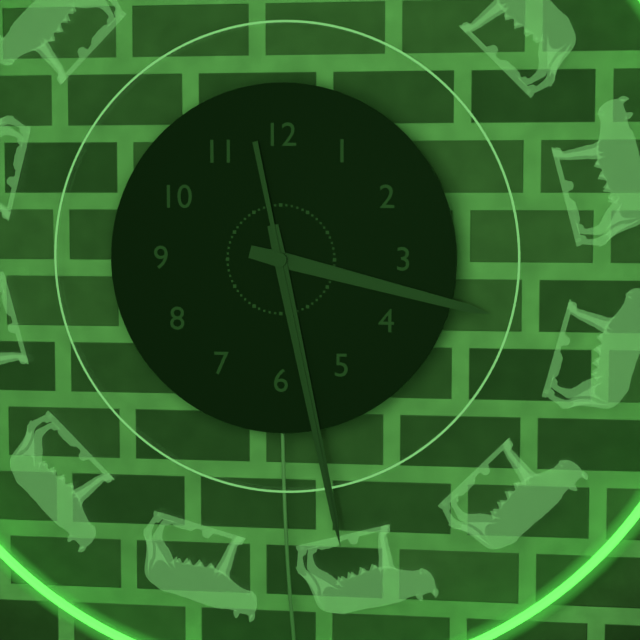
**3:28:28**
